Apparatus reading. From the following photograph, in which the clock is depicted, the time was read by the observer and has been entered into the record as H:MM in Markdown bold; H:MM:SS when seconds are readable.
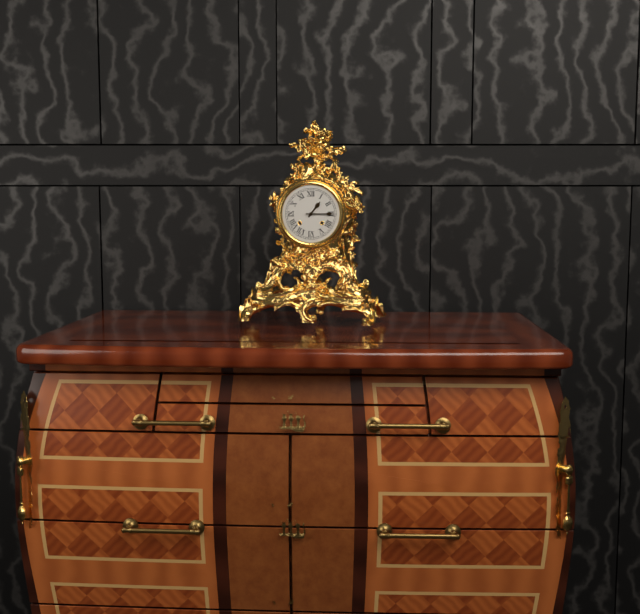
**1:15**
